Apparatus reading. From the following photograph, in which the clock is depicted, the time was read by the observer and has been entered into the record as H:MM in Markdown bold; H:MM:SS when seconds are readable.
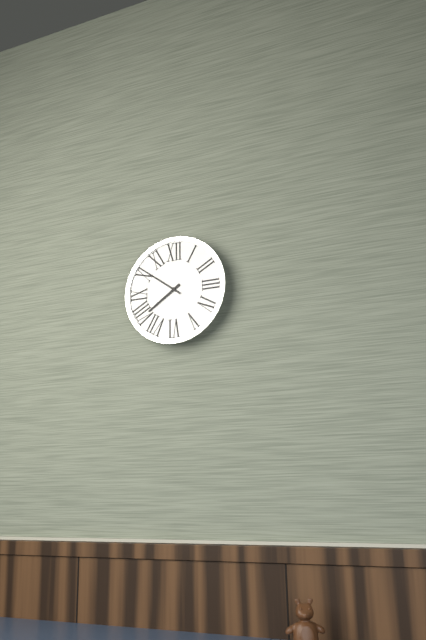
**7:51**
